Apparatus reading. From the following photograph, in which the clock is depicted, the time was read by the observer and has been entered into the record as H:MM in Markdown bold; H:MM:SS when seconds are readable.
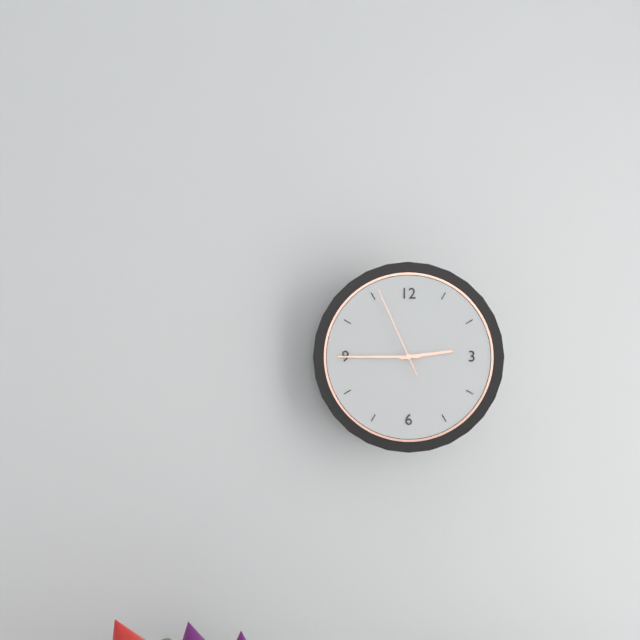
**2:45:56**
